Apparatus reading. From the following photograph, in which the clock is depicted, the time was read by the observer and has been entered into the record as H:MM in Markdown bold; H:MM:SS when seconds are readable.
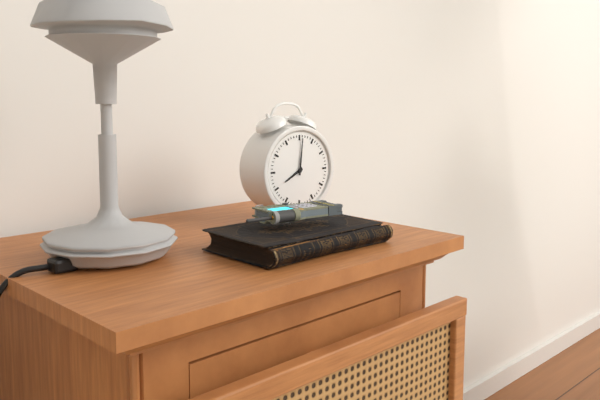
**8:01**
